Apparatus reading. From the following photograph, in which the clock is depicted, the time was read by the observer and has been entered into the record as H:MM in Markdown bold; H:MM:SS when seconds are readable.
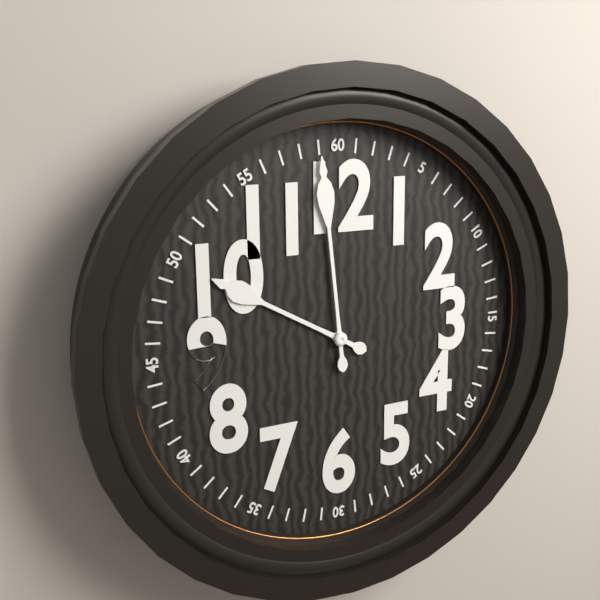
**9:59**
